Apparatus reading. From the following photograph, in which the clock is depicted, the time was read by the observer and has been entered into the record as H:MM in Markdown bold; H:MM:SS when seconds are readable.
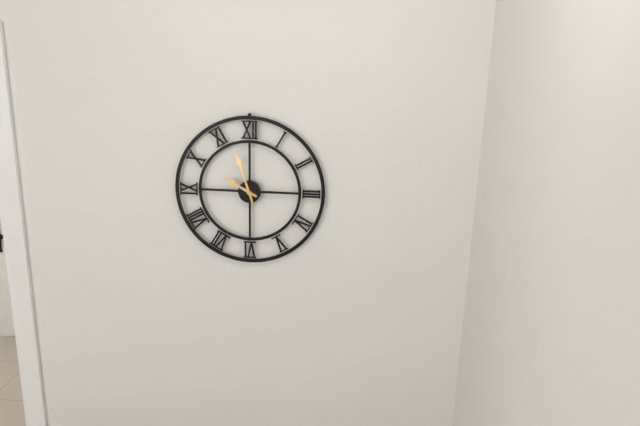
**9:57**
